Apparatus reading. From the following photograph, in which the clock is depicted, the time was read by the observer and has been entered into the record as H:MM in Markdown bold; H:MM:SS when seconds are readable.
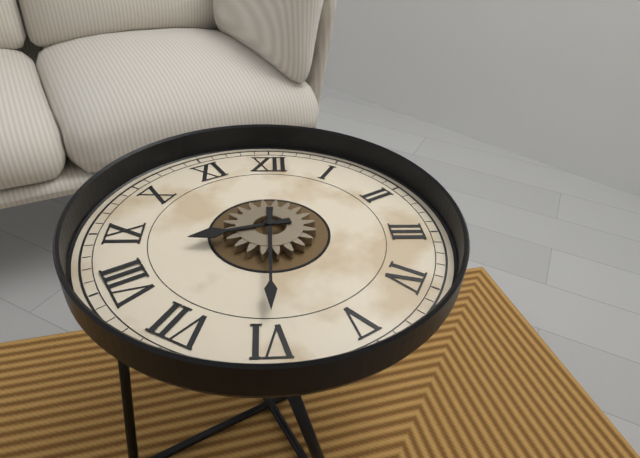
**8:30**
